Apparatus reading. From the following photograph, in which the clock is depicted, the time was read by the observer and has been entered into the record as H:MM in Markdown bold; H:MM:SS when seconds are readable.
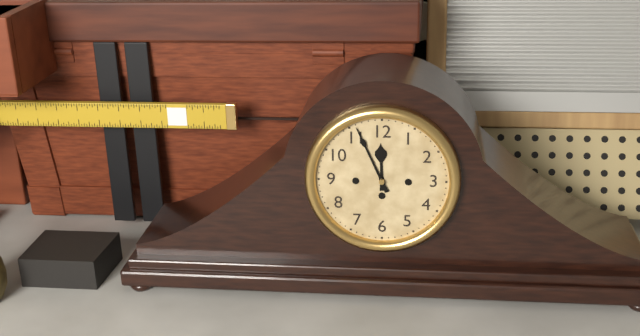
**11:56**
